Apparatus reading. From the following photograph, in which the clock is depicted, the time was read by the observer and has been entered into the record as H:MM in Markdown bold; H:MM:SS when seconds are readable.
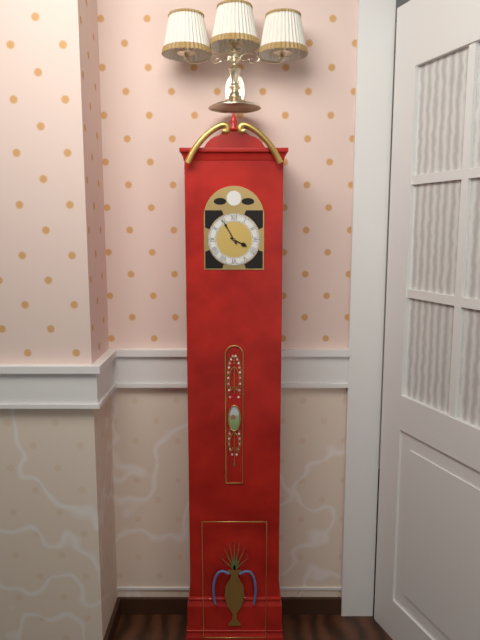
**3:55**
